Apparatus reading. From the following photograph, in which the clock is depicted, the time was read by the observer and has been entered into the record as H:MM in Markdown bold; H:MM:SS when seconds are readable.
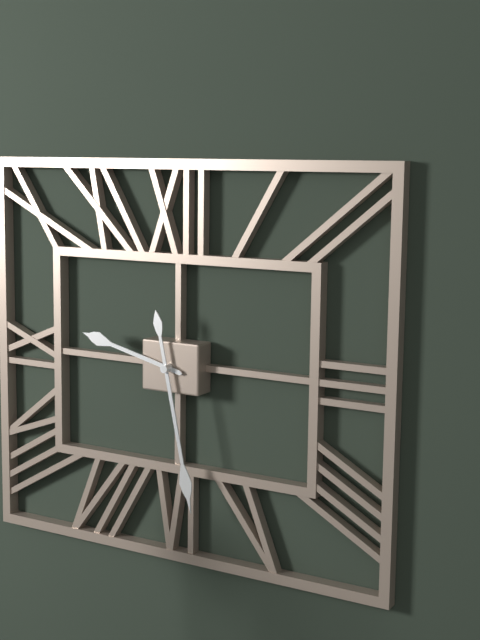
**9:28**
